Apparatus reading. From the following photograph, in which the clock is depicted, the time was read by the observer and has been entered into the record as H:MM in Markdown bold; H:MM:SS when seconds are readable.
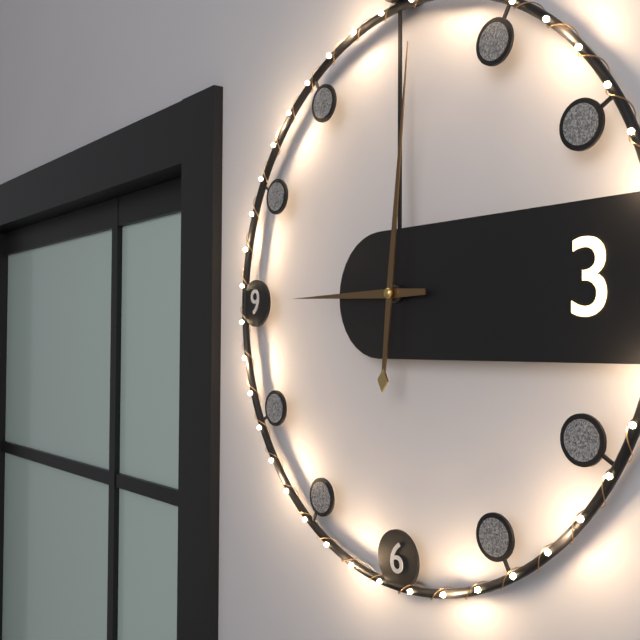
**9:01**
